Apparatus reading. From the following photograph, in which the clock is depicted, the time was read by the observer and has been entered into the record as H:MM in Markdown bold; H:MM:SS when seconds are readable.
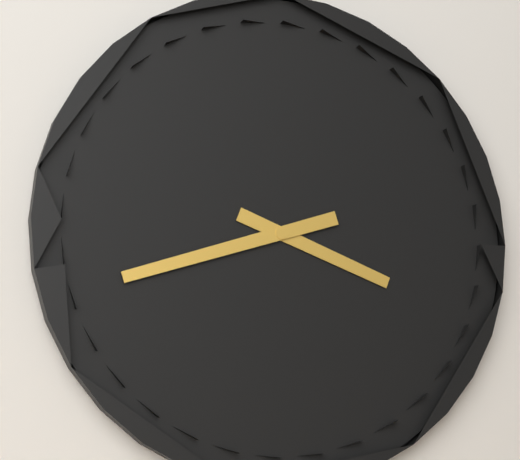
**3:42**
